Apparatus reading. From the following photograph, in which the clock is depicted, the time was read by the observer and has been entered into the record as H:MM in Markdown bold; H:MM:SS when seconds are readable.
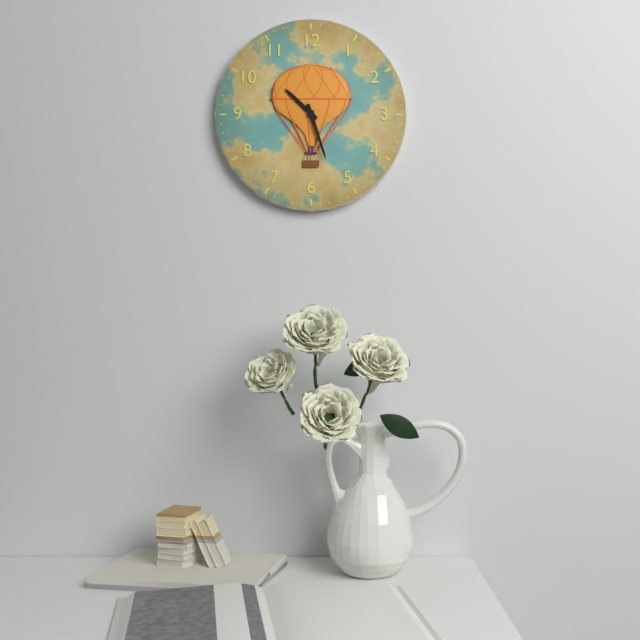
**10:27**
